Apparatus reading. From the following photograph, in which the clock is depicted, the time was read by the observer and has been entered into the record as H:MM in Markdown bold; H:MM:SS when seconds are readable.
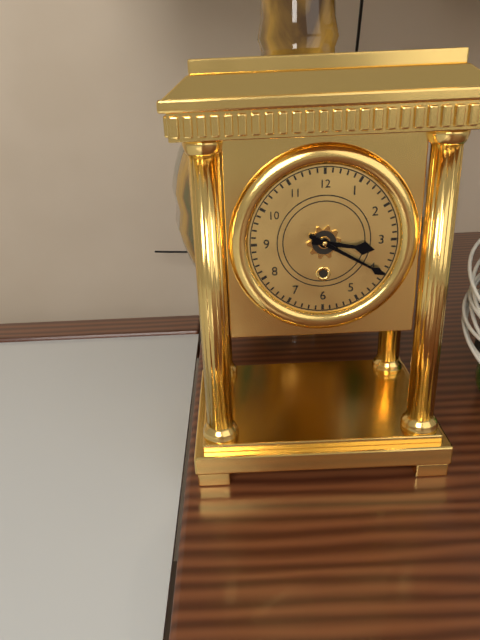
**3:20**
